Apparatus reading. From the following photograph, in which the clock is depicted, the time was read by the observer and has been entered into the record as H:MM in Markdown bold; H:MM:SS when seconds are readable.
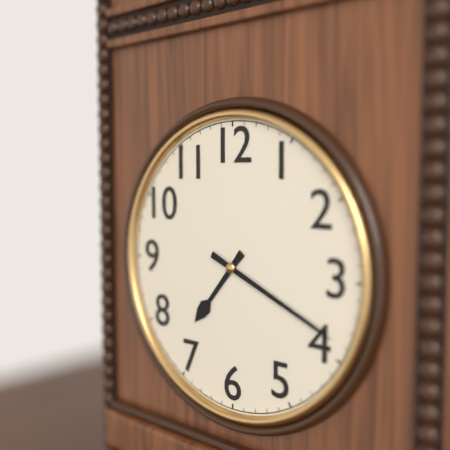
**7:19**
